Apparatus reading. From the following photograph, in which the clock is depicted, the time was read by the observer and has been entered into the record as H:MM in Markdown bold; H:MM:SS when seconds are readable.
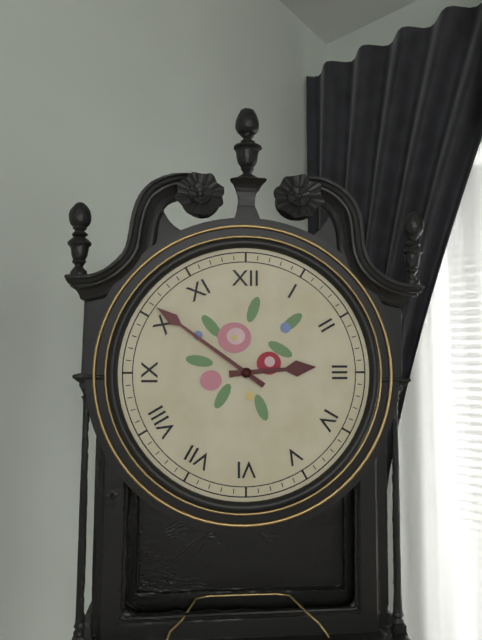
**2:51**
